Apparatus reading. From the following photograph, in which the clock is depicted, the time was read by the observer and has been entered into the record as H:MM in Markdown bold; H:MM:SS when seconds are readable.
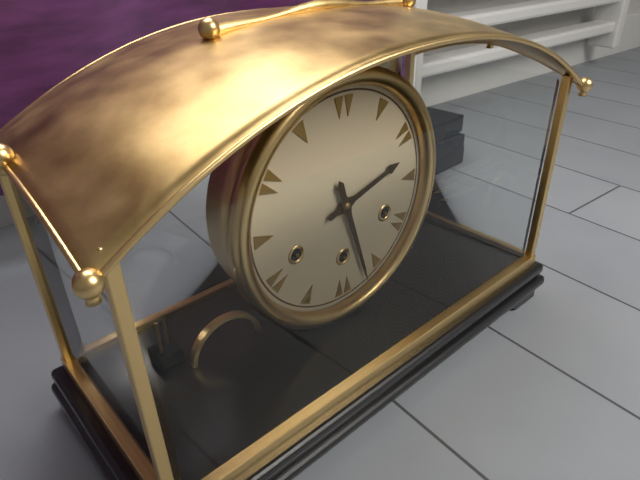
**2:27**
